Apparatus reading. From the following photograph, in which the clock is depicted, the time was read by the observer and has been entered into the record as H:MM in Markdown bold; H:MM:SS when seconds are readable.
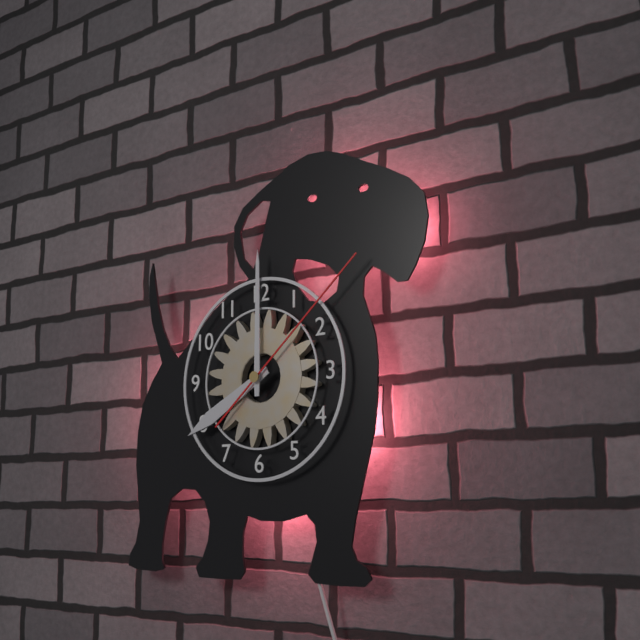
**8:00:08**
